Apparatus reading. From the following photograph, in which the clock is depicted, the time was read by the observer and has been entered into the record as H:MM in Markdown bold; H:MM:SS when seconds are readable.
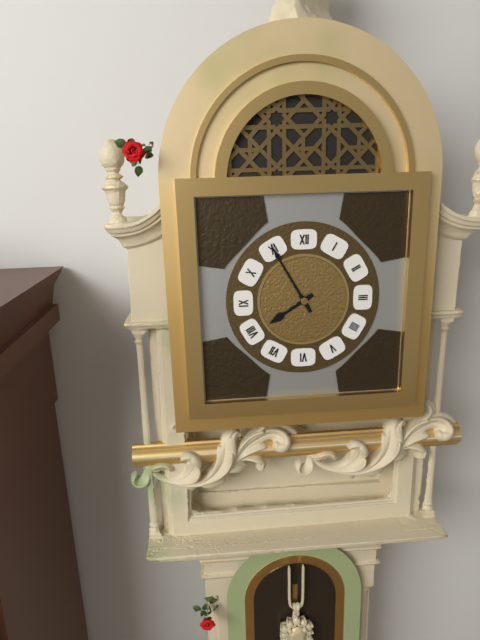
**7:55**
